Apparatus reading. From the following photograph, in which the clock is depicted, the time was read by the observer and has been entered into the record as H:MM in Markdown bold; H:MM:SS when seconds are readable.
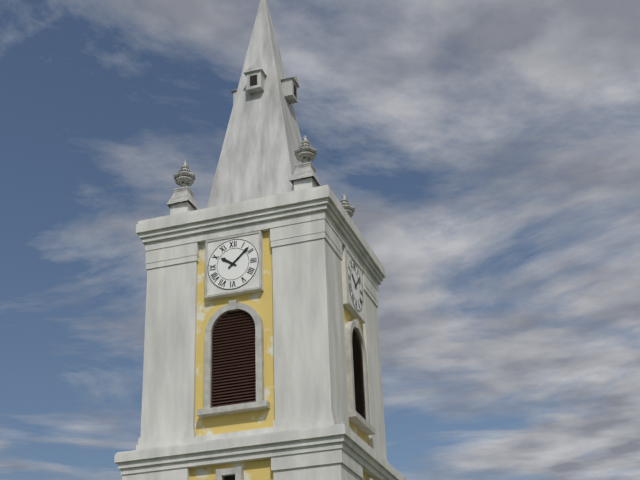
**10:08**
